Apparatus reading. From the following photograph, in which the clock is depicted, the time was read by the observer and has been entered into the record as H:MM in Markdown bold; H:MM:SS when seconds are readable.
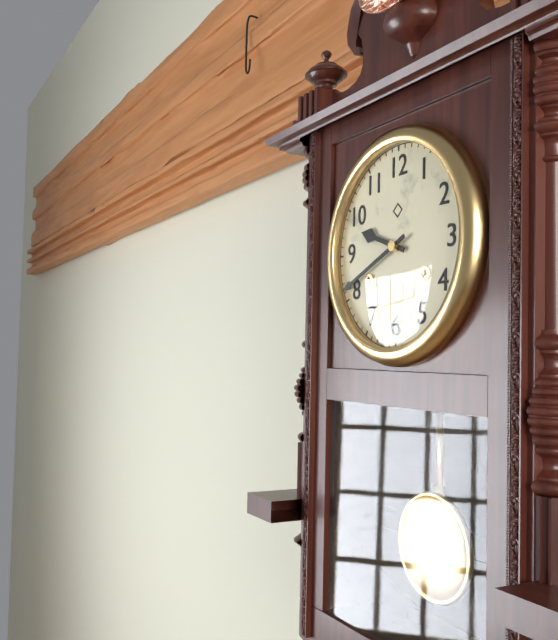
**9:41**
